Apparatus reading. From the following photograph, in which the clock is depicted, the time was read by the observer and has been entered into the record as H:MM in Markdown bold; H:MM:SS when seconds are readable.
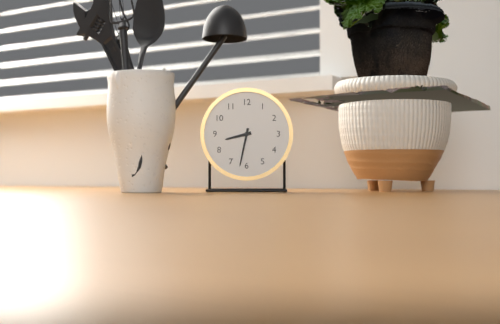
**8:32**
